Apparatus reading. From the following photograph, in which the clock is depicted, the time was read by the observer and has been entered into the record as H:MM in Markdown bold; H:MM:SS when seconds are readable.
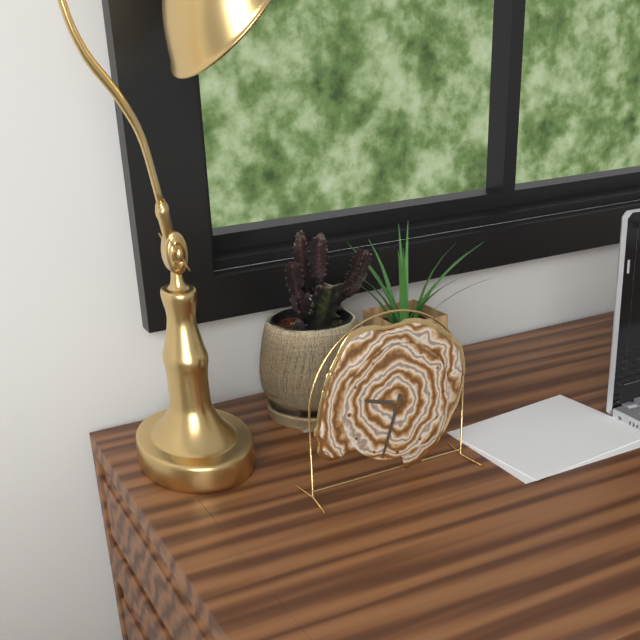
**9:33**
